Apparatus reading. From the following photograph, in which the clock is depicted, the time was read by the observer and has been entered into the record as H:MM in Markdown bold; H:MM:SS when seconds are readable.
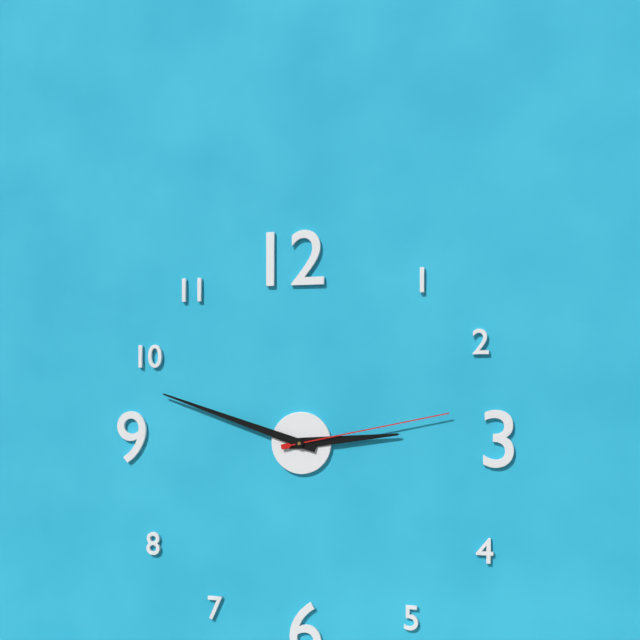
**2:48:13**
